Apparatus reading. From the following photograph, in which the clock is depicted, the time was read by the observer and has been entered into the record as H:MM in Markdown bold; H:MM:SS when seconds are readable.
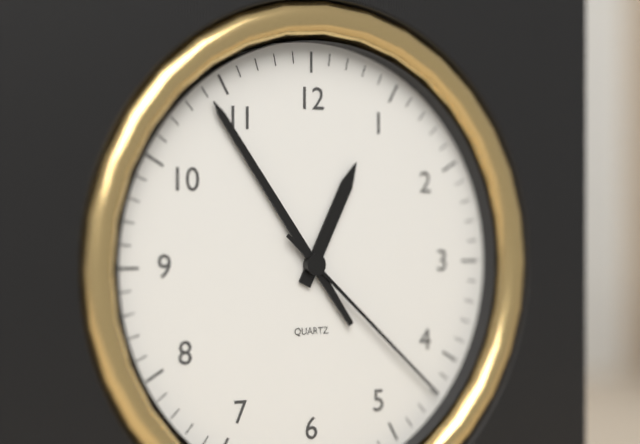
**12:54:22**
